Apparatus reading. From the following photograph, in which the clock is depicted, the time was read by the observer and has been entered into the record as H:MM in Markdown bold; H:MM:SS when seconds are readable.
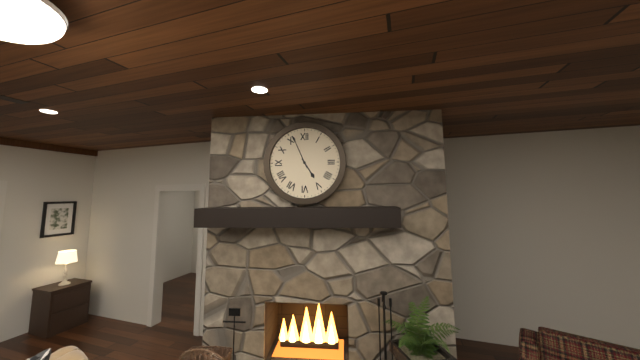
**4:56**
